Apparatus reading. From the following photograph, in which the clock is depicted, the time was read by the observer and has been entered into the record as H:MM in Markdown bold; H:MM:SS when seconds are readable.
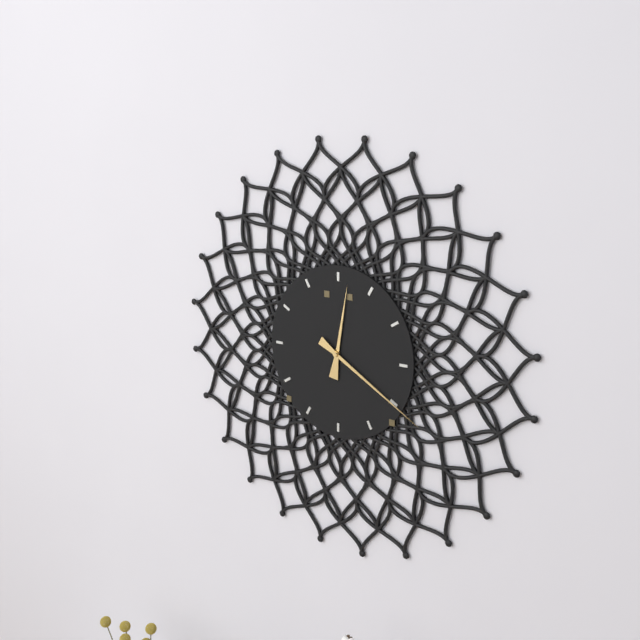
**12:20**
